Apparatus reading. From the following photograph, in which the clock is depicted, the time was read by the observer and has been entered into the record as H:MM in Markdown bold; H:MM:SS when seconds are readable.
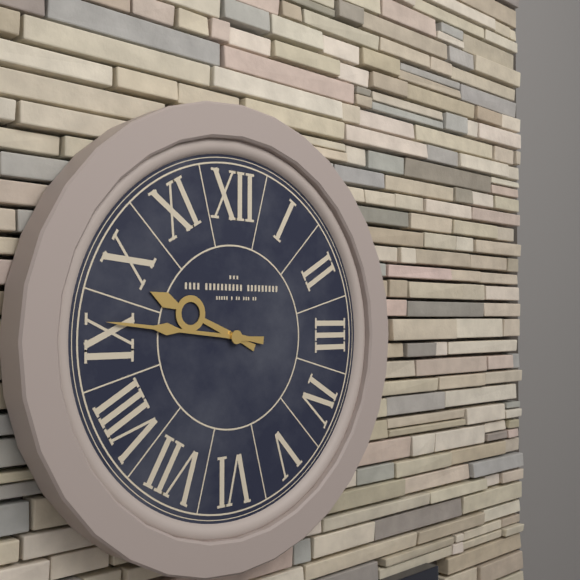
**9:46**
